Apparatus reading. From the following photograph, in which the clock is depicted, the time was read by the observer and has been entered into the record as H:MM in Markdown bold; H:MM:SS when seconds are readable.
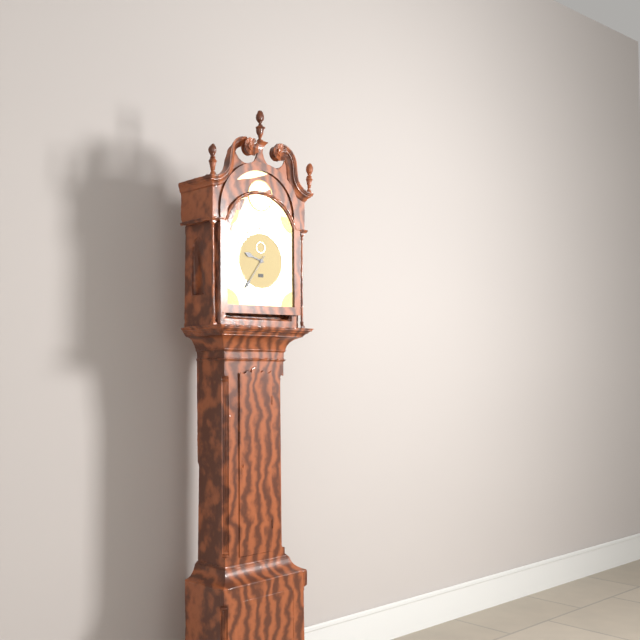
**9:36**
